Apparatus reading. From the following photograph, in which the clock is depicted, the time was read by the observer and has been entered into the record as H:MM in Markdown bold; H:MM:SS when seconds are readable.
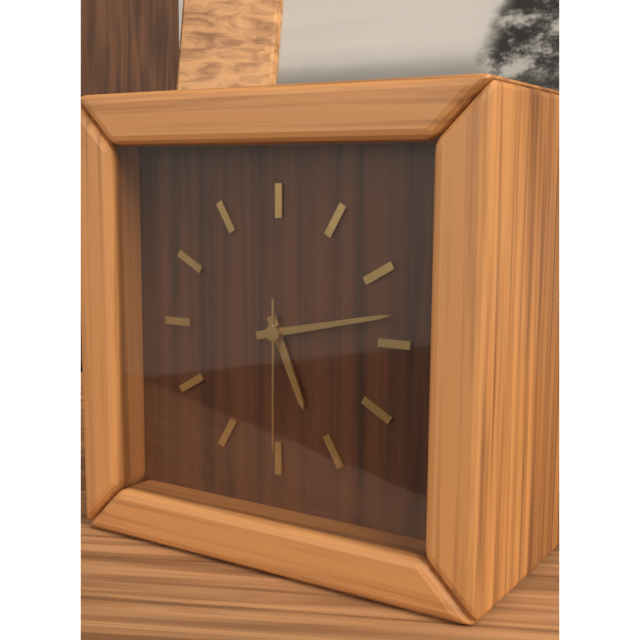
**5:13:30**
